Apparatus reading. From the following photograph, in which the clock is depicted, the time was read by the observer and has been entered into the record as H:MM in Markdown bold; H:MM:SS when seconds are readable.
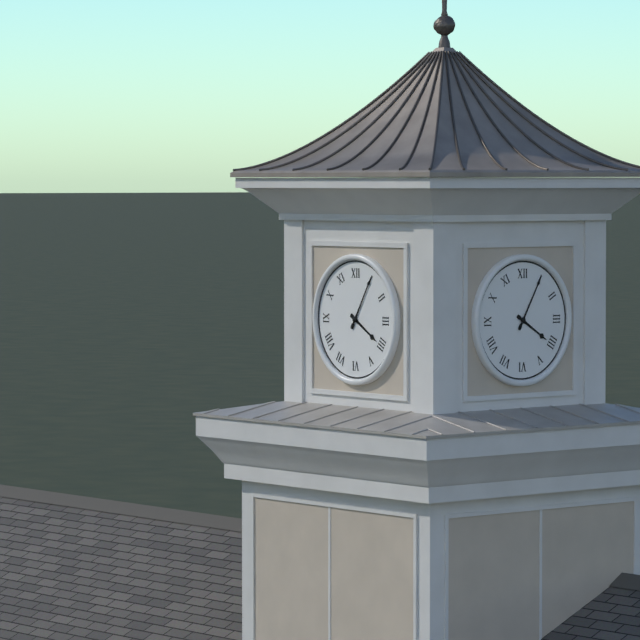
**4:05**
